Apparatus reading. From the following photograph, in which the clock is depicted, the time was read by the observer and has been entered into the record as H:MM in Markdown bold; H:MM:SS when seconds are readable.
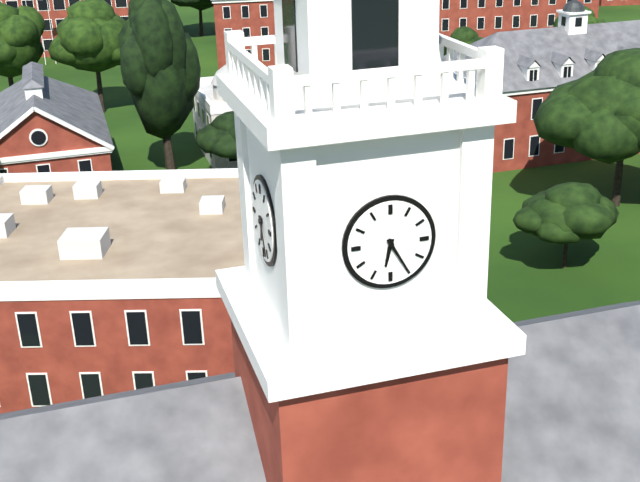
**6:25**
